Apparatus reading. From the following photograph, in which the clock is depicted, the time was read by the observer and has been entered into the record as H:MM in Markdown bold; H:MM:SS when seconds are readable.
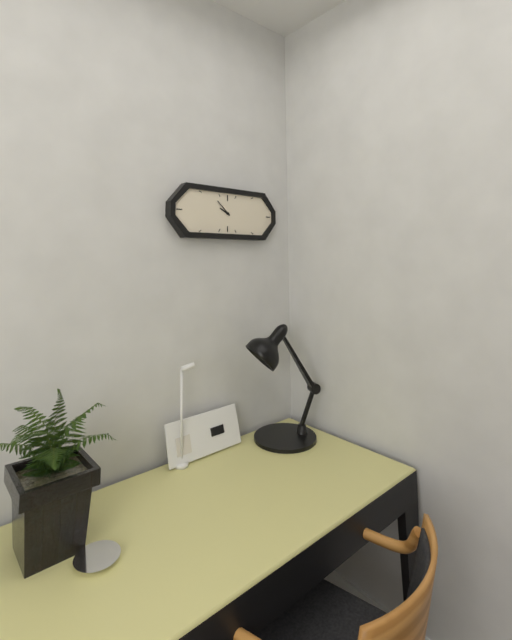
**9:52**
